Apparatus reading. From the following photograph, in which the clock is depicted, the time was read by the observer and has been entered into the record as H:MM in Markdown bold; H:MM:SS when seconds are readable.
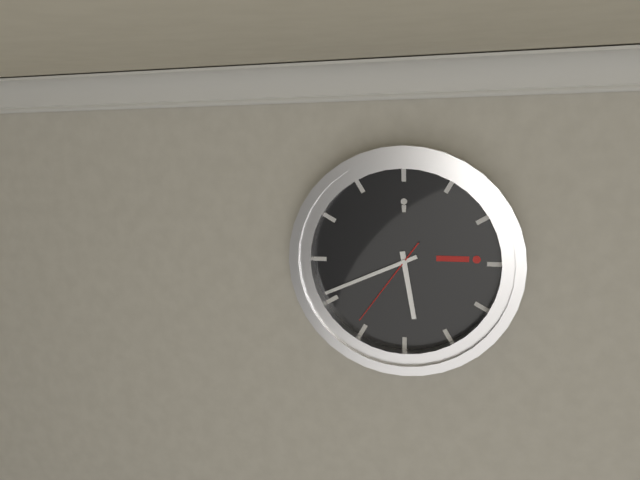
**5:41:36**
